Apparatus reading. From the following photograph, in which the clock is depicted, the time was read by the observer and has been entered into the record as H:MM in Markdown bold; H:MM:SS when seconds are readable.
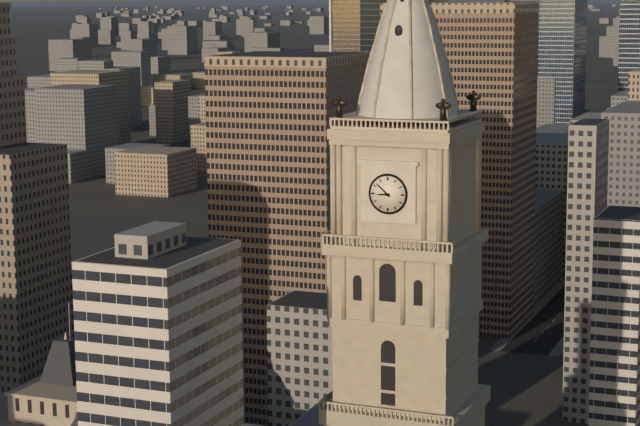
**8:52**
